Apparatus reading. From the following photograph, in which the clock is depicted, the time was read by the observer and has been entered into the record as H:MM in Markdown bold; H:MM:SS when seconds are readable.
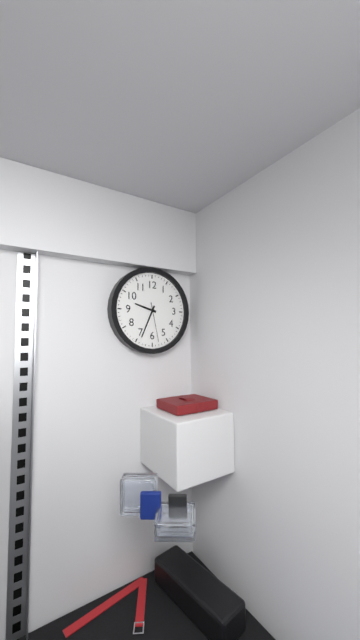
**9:34**
